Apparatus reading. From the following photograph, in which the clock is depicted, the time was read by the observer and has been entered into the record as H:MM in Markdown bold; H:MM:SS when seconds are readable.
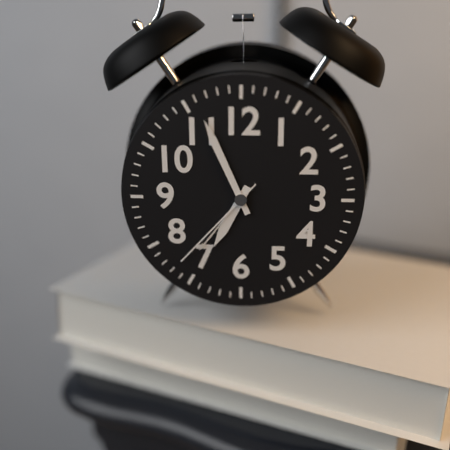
**6:56:37**
